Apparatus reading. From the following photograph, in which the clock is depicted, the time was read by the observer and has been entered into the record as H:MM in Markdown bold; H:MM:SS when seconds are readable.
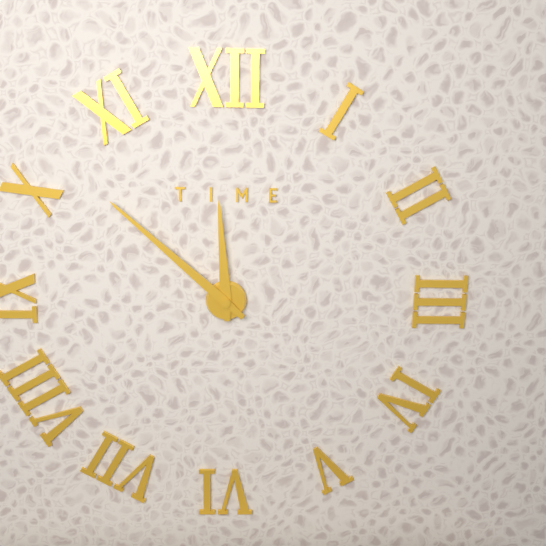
**11:52**
